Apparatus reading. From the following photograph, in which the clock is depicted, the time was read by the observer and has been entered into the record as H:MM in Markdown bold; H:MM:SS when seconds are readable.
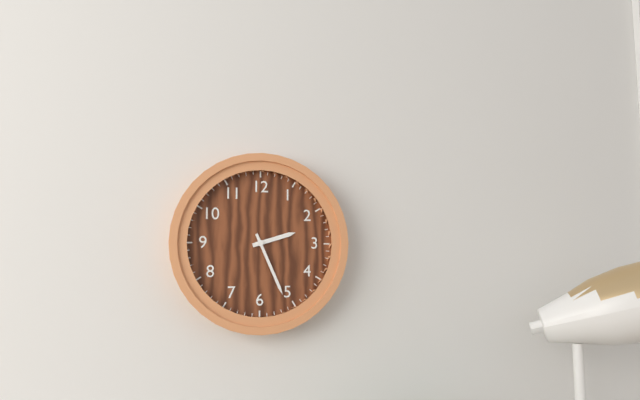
**2:26**
